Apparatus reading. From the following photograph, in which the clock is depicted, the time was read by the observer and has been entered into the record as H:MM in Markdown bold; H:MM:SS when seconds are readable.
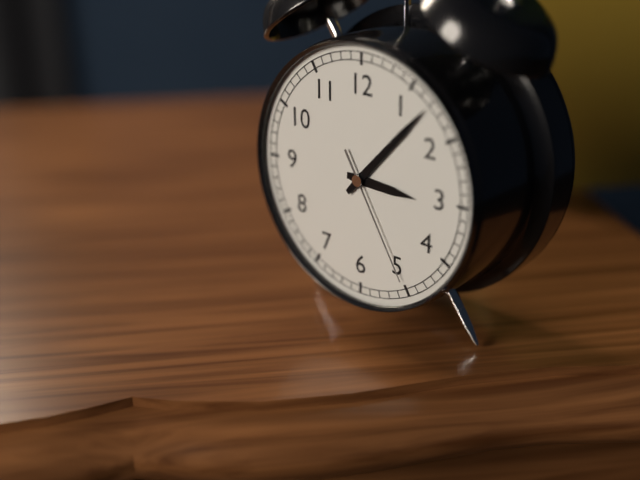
**3:07:25**
